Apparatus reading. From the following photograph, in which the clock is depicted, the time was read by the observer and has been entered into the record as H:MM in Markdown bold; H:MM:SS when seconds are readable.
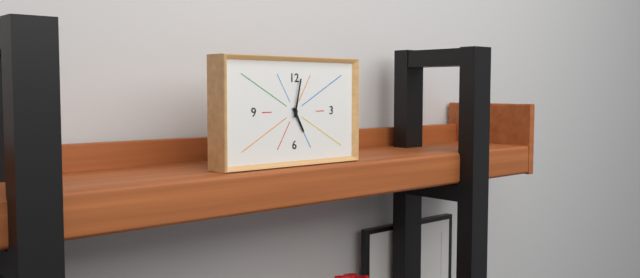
**5:02**
